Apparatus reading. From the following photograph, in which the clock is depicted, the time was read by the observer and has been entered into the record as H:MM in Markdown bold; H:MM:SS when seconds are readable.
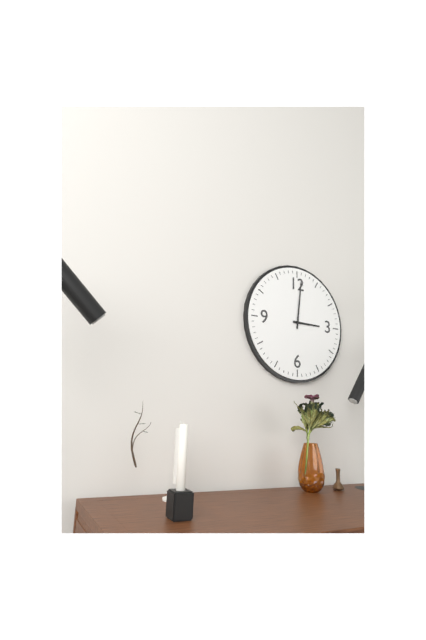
**3:01**
